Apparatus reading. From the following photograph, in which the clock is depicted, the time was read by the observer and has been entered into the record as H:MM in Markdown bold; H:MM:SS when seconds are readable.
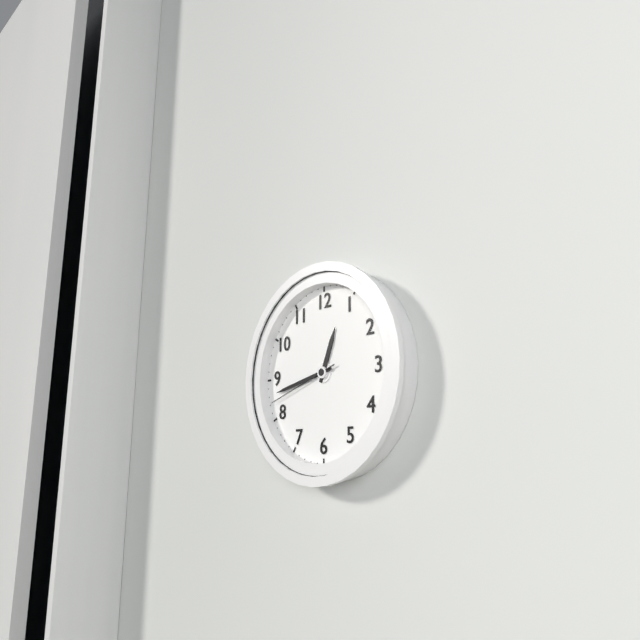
**12:43:42**
